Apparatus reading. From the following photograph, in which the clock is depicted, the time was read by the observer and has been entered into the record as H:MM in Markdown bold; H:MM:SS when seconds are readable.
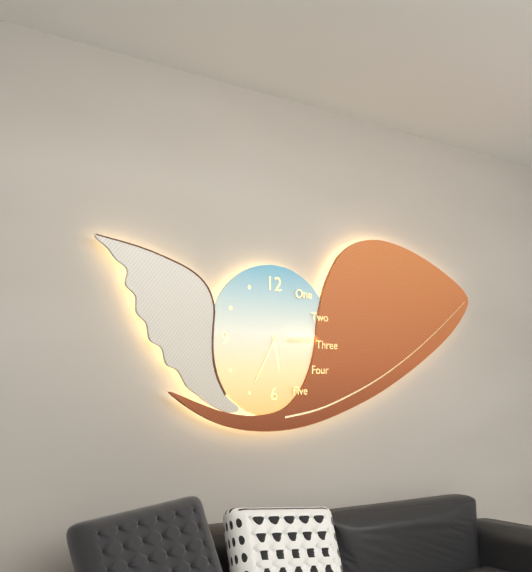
**5:35**
